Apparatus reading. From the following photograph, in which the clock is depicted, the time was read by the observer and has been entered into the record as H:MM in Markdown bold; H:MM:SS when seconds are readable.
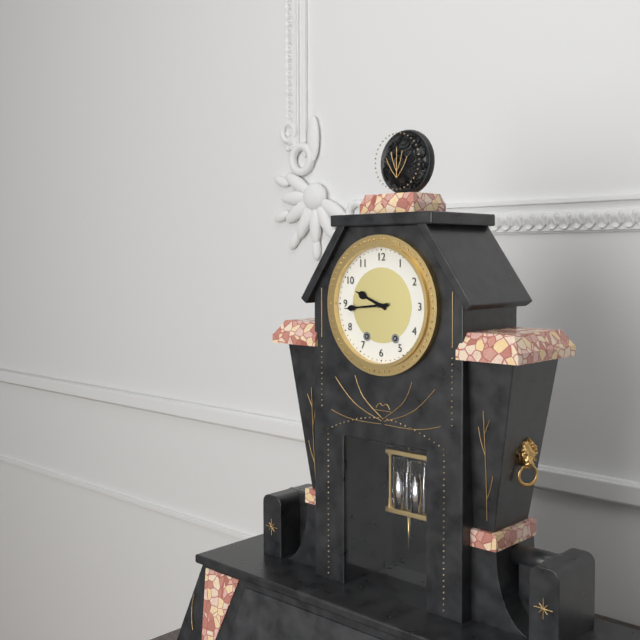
**9:44**
